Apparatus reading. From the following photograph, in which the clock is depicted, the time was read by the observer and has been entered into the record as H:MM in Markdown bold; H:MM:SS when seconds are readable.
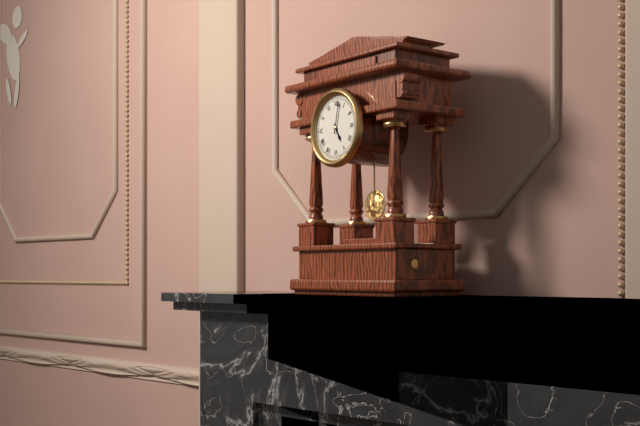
**5:02**
